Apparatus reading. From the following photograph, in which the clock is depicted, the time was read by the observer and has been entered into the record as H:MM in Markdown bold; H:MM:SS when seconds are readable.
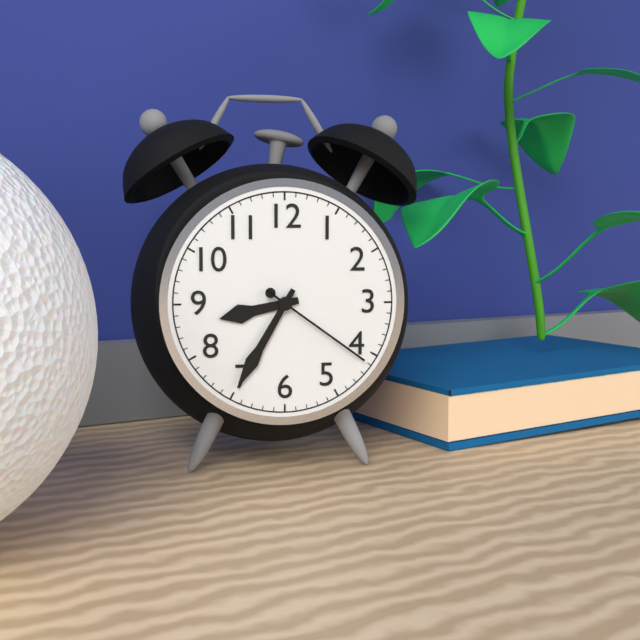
**8:35:21**
